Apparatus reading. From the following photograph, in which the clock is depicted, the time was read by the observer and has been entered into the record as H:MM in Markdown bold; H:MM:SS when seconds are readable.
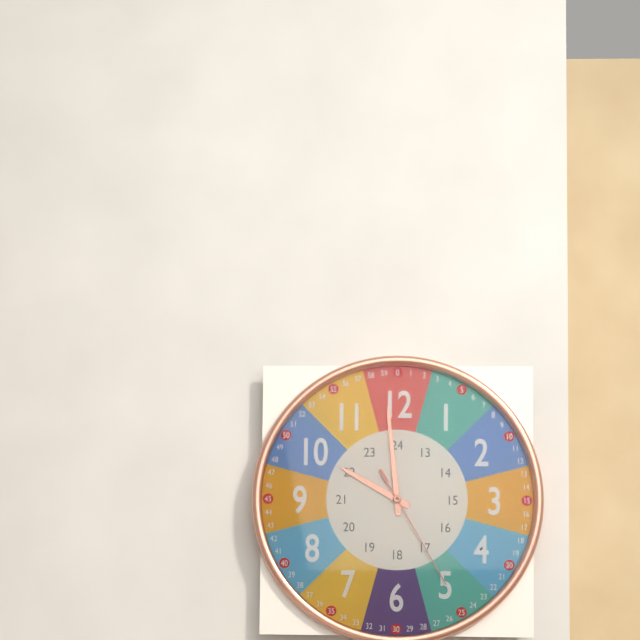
**9:59:25**
